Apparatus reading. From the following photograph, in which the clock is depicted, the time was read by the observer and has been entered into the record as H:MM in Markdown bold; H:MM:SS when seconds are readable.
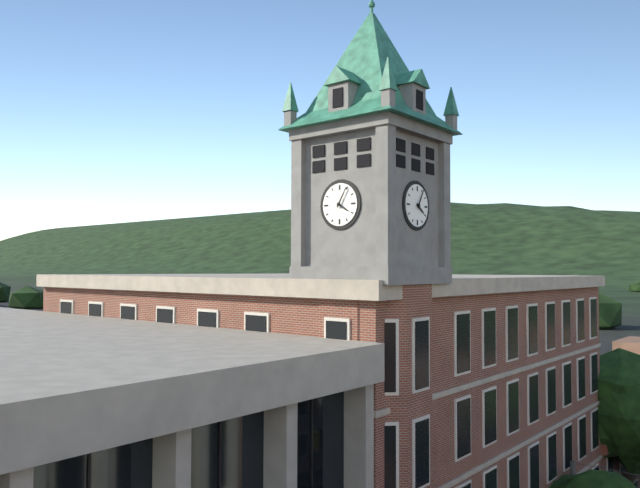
**4:05**
